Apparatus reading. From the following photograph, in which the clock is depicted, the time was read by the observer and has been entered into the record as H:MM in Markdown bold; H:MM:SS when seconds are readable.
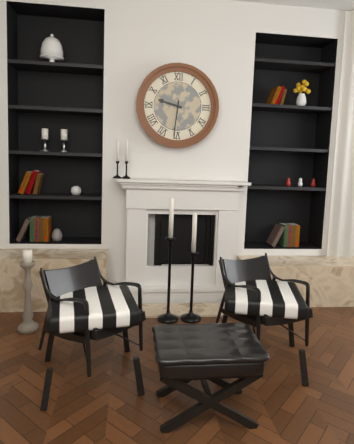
**9:31**
